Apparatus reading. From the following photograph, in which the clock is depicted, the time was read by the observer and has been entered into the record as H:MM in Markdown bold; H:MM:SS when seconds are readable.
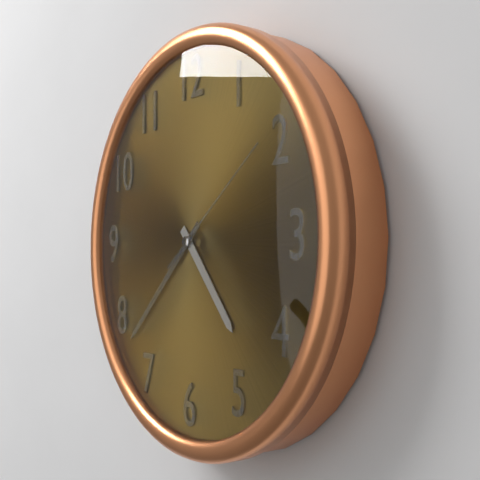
**4:38:09**
